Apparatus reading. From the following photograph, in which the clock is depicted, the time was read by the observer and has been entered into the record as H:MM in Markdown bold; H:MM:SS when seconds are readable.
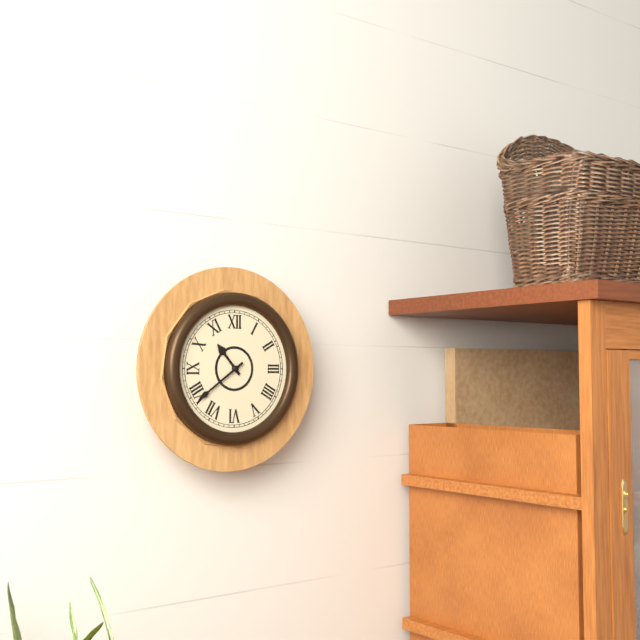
**10:39**
